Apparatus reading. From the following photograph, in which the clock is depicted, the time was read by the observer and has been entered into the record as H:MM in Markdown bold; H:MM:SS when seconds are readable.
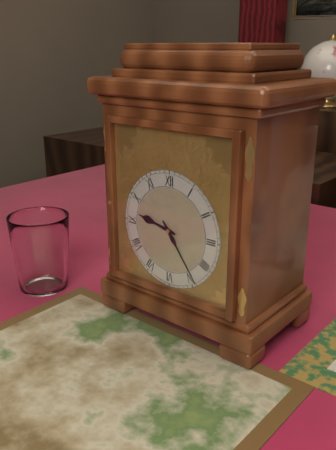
**9:24**
